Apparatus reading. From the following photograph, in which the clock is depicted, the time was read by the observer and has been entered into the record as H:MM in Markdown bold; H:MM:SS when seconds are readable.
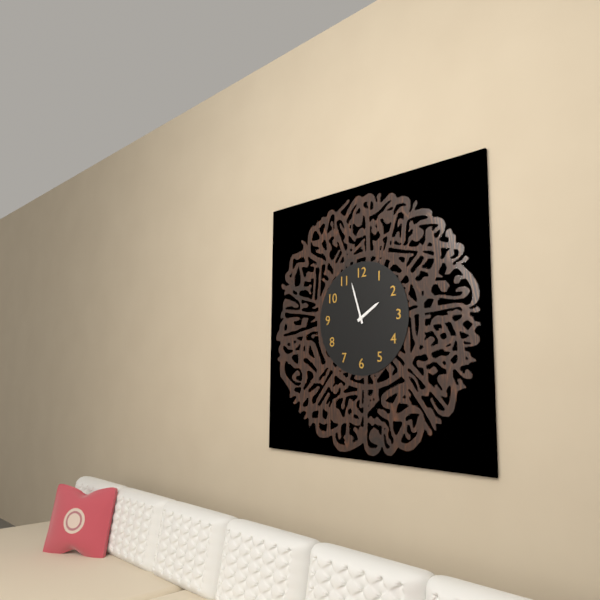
**1:57**
